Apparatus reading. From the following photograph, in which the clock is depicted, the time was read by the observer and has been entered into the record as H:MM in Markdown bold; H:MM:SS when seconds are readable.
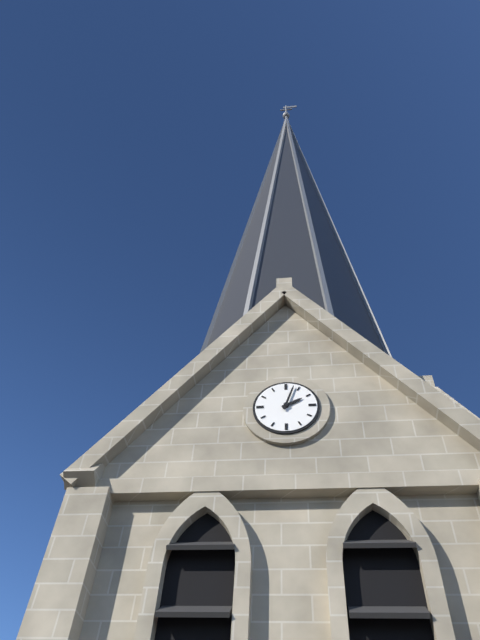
**2:03**
